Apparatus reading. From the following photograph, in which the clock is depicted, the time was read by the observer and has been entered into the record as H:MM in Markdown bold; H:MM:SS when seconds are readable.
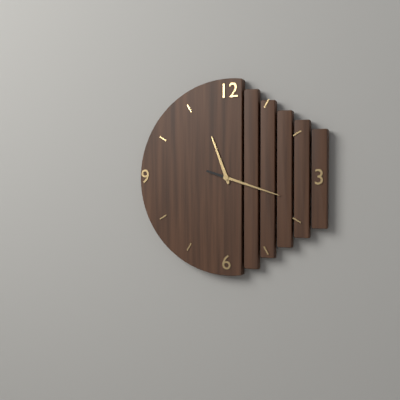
**11:18**
